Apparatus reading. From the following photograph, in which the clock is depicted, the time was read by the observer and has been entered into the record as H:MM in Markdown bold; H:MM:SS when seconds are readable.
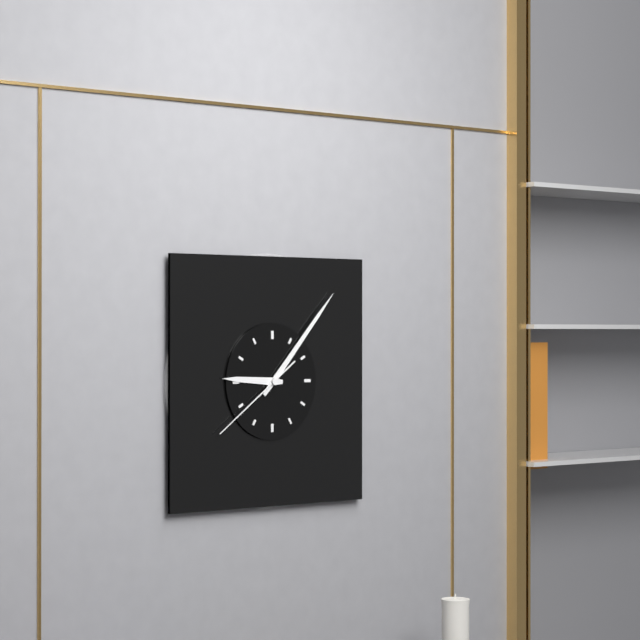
**9:07:39**
